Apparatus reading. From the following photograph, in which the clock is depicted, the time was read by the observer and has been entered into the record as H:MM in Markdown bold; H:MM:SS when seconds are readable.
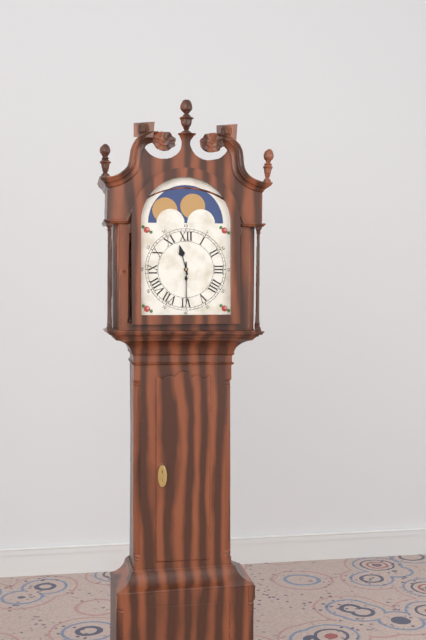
**11:30**
